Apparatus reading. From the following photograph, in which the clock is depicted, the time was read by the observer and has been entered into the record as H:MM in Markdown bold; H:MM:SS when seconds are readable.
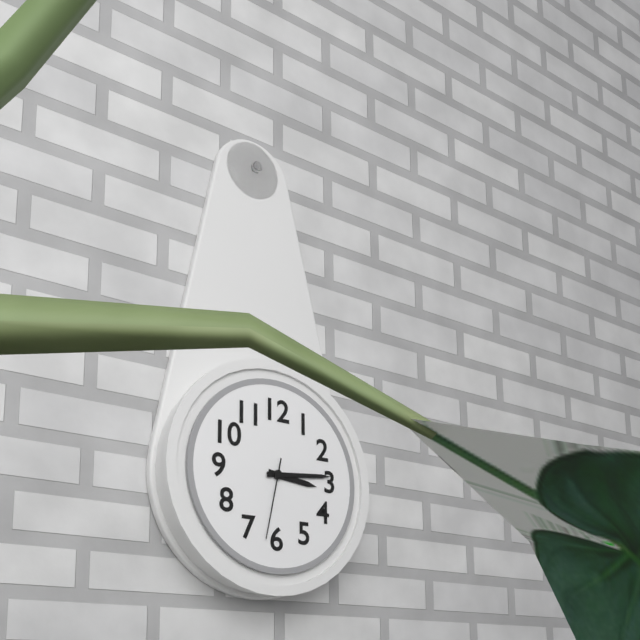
**3:14:32**
